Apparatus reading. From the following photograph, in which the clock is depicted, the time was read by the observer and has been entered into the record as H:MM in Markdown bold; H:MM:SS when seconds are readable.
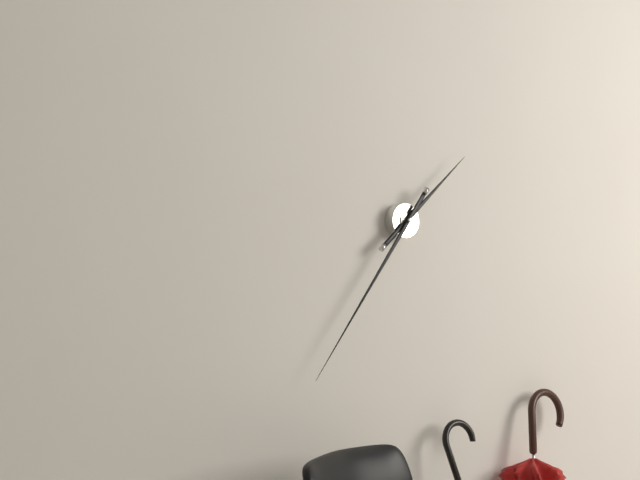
**1:36**
